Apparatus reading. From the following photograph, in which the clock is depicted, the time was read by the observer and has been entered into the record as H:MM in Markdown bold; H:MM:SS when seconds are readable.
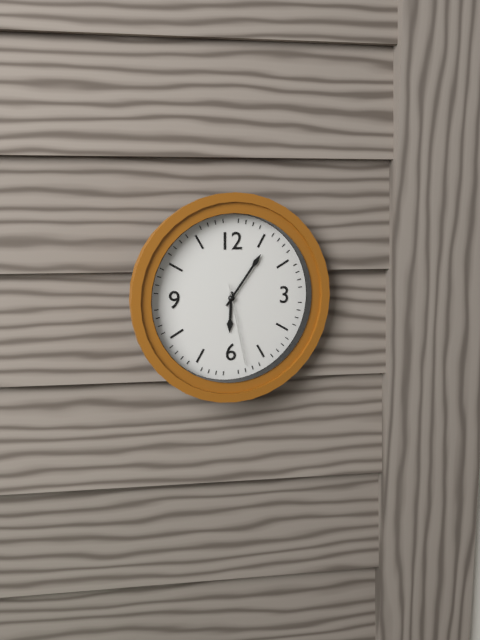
**6:06:28**
